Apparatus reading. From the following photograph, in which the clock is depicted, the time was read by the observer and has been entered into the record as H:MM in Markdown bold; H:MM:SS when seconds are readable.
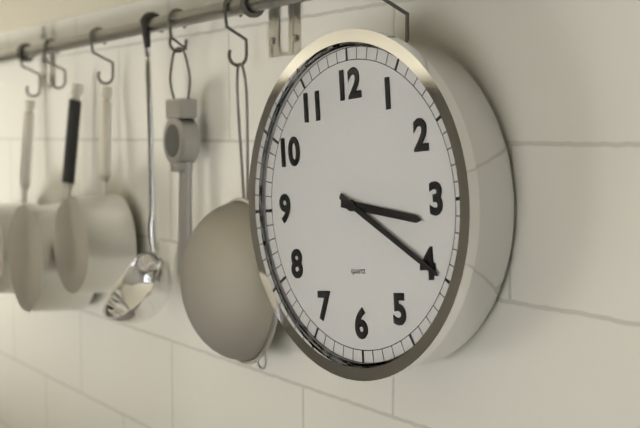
**3:20**
